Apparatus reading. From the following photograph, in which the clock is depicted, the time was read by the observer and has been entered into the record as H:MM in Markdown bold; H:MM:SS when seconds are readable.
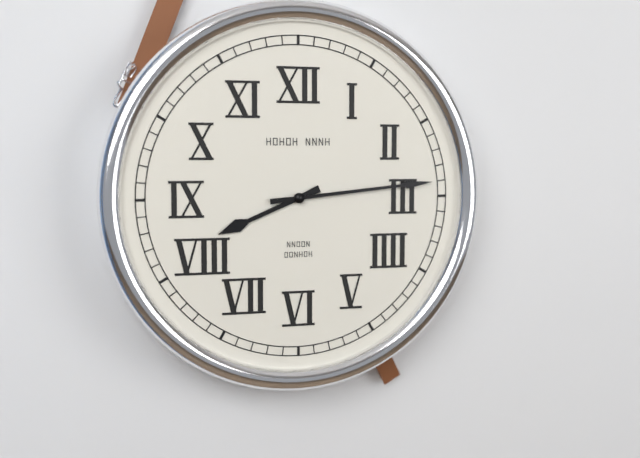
**8:14**
